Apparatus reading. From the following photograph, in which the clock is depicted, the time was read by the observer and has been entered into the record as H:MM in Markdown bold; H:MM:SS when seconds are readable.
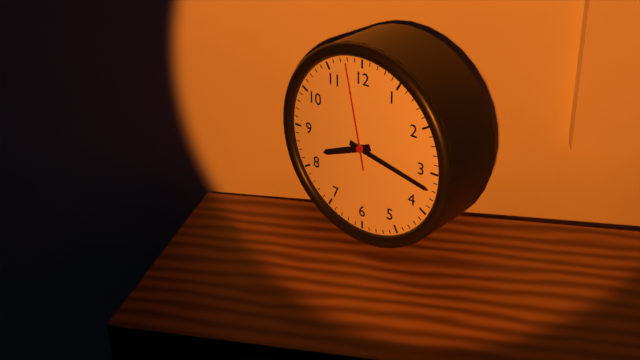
**8:17:58**
